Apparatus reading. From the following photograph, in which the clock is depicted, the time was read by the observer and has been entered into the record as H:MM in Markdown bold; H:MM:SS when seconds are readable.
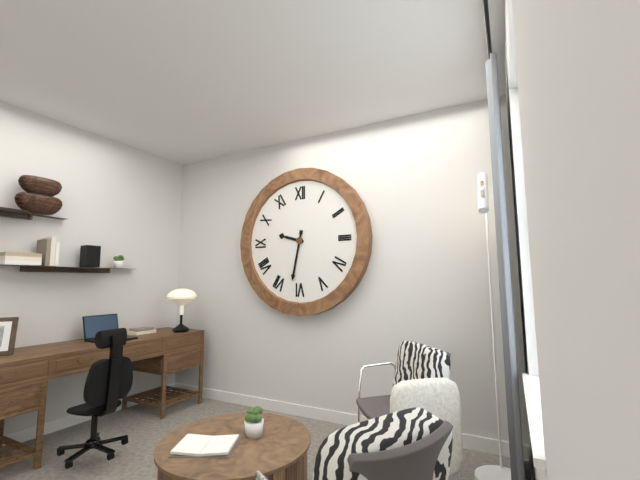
**9:32**
